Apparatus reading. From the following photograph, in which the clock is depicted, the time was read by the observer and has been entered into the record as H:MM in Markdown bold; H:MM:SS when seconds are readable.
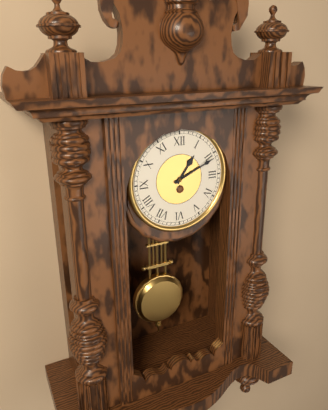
**1:11**
